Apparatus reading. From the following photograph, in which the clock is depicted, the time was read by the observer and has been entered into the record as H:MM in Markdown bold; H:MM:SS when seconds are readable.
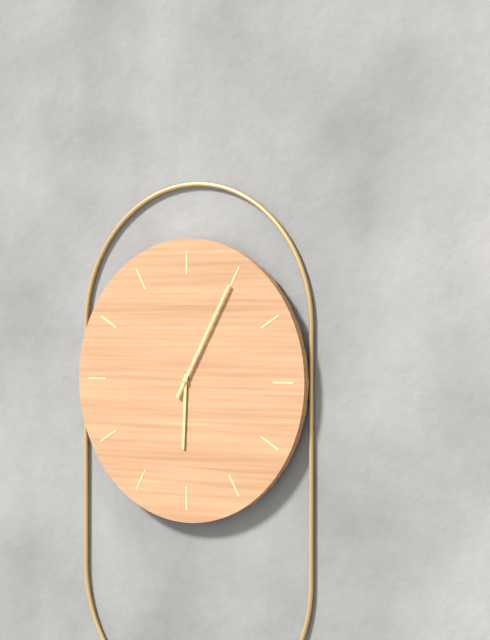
**6:05**
